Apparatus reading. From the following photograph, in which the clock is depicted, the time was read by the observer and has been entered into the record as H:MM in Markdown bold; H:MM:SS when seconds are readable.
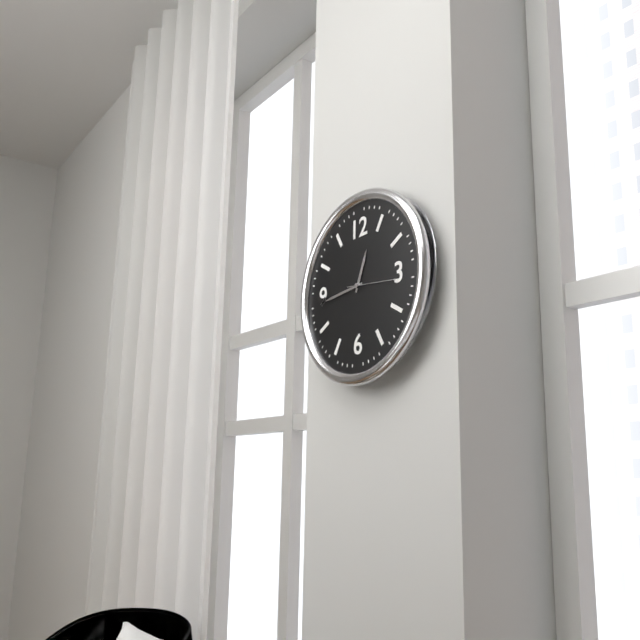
**12:44**
